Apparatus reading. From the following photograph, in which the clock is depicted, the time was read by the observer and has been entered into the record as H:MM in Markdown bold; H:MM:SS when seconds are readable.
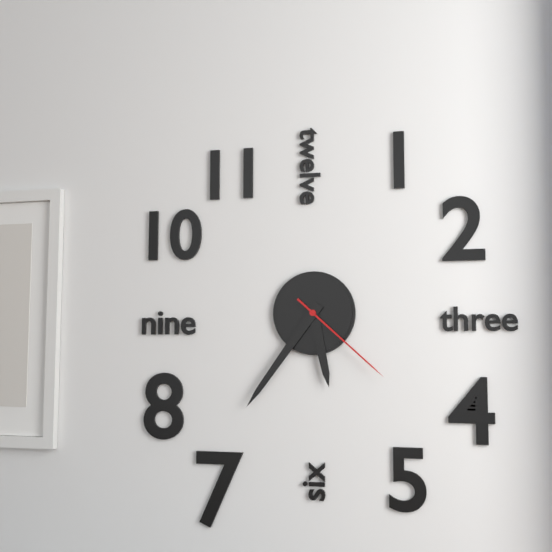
**5:36:22**
